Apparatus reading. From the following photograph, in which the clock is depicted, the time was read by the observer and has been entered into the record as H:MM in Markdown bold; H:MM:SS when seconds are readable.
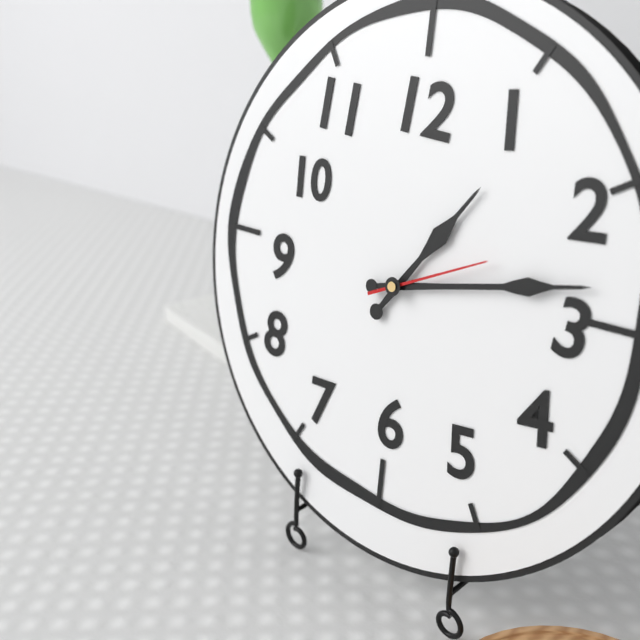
**1:13:11**
